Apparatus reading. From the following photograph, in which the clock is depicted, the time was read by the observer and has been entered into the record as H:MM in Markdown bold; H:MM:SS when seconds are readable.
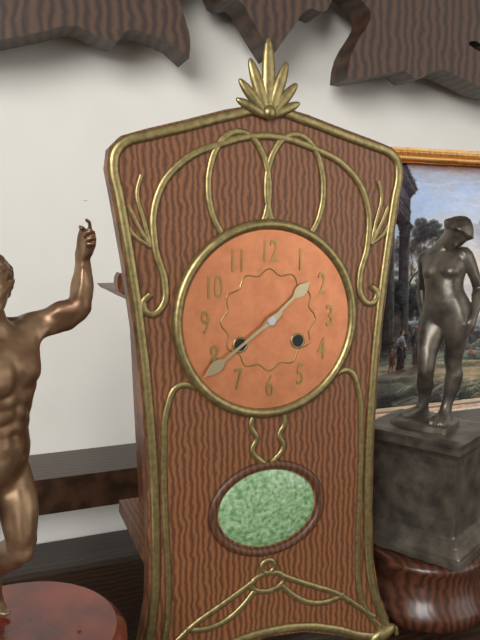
**1:39**
